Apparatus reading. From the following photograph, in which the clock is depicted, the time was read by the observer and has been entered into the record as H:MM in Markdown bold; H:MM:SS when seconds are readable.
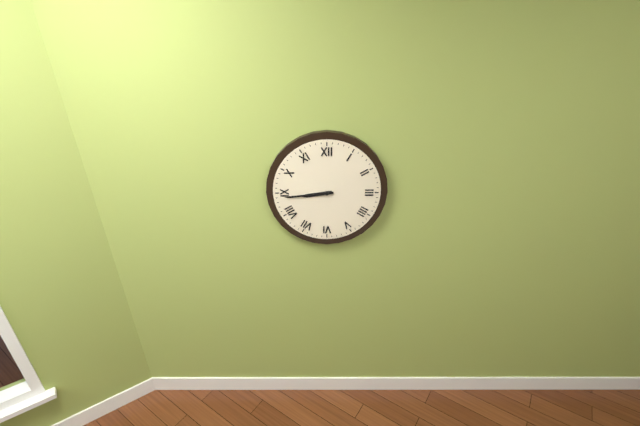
**8:44**
